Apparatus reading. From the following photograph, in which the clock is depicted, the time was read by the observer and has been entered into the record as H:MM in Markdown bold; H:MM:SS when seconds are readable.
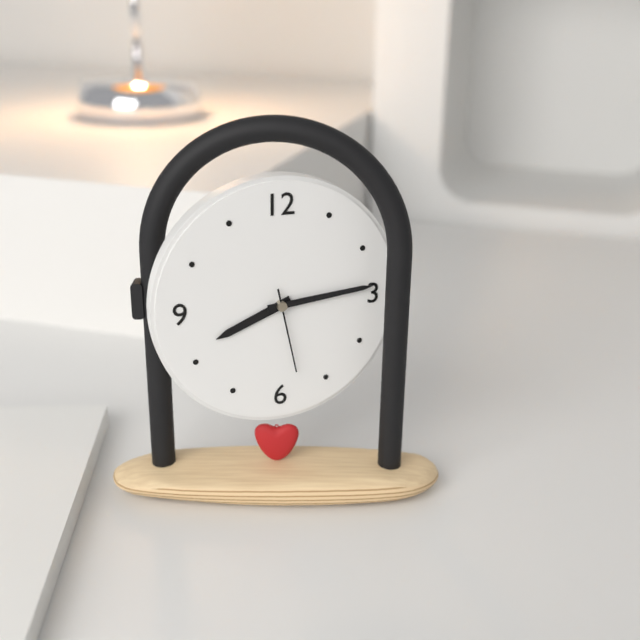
**8:14:28**
